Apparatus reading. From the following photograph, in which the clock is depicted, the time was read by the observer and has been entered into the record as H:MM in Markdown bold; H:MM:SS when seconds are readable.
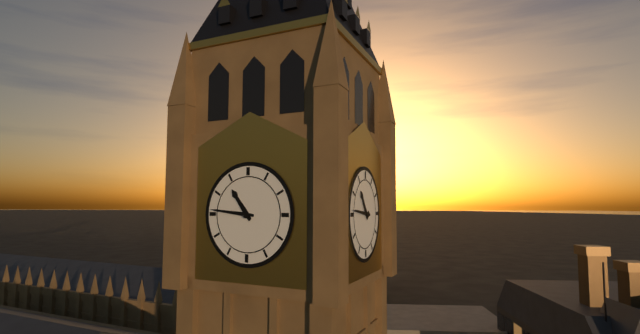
**10:46**
